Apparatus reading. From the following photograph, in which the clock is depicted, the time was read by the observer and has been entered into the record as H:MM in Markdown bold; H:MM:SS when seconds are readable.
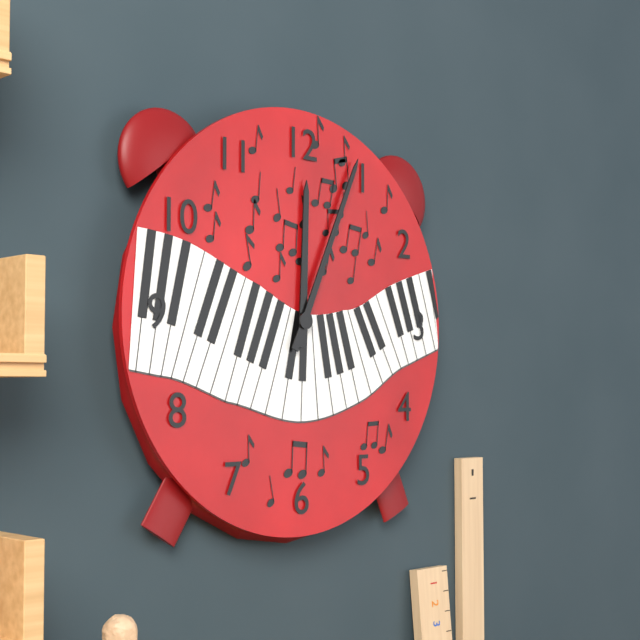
**12:04**
